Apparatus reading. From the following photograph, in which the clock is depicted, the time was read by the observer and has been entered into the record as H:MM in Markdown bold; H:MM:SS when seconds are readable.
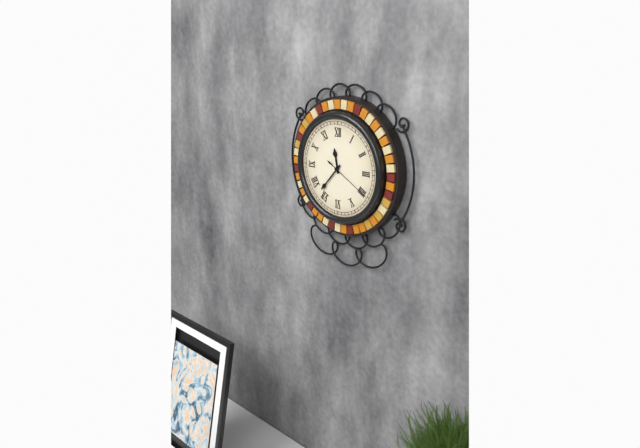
**11:37**
